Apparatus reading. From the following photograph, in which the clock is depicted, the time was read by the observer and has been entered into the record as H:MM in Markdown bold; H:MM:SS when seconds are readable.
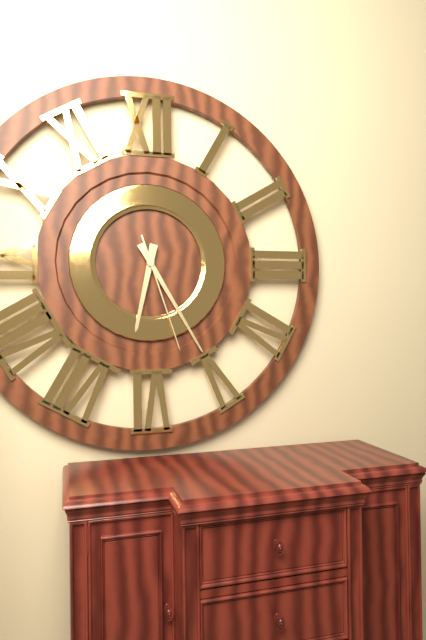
**6:25:27**
